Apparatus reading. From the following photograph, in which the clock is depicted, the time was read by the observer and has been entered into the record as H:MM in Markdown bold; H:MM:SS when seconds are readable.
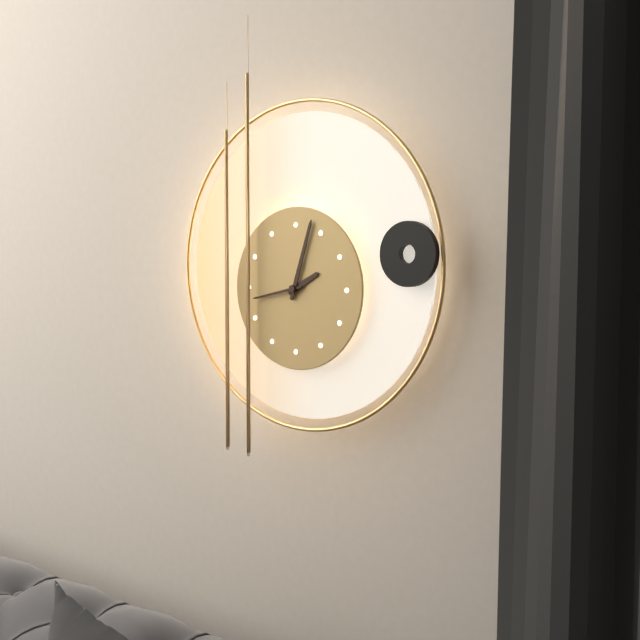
**2:03:43**
